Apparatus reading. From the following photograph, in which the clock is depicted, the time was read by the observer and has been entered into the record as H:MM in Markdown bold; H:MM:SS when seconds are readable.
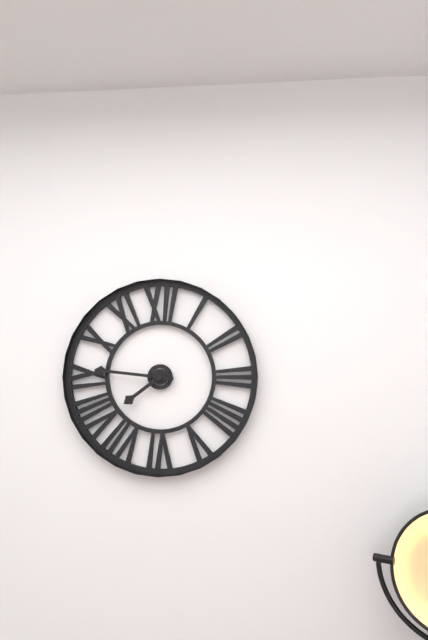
**7:46**
